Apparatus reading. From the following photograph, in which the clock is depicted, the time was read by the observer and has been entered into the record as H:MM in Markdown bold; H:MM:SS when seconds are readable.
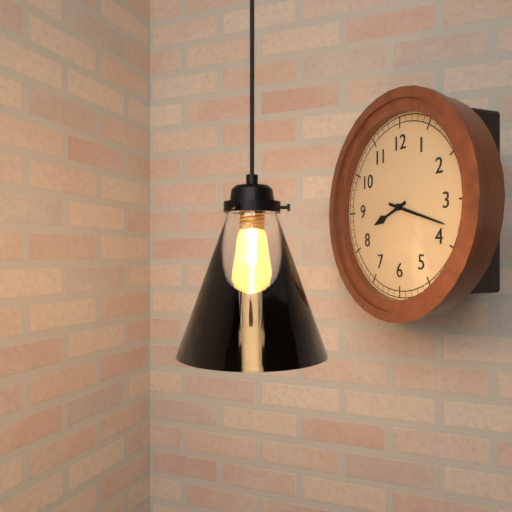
**8:18**
